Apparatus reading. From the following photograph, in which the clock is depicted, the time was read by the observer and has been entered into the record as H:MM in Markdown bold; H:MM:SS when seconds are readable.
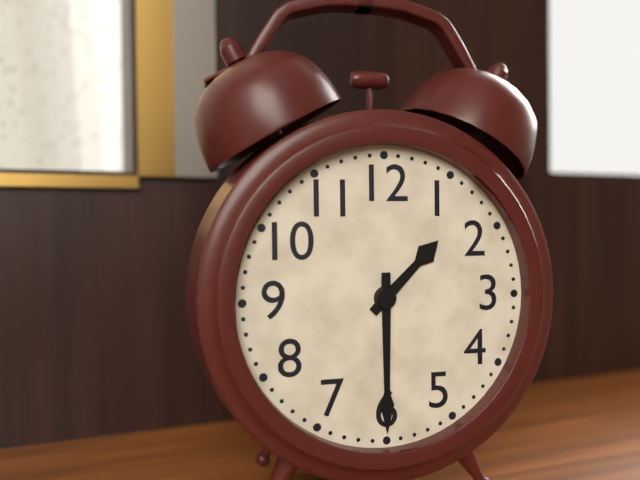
**1:30**
